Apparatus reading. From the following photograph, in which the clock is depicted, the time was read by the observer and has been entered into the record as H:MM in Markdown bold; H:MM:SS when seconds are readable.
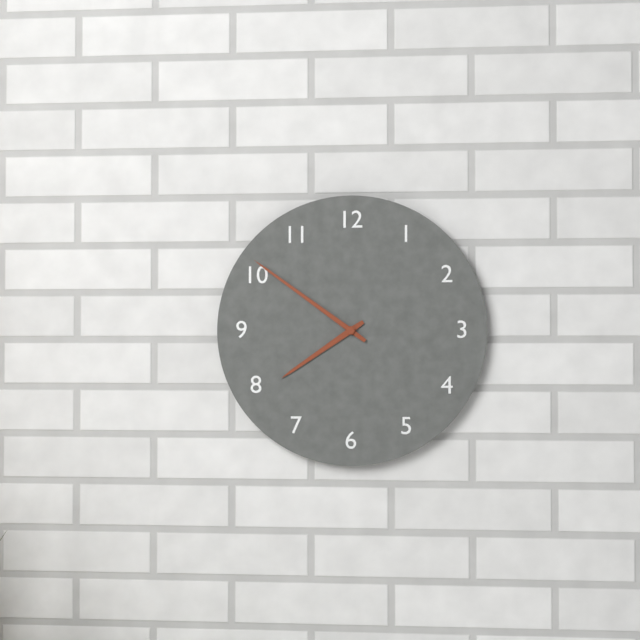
**7:51**
